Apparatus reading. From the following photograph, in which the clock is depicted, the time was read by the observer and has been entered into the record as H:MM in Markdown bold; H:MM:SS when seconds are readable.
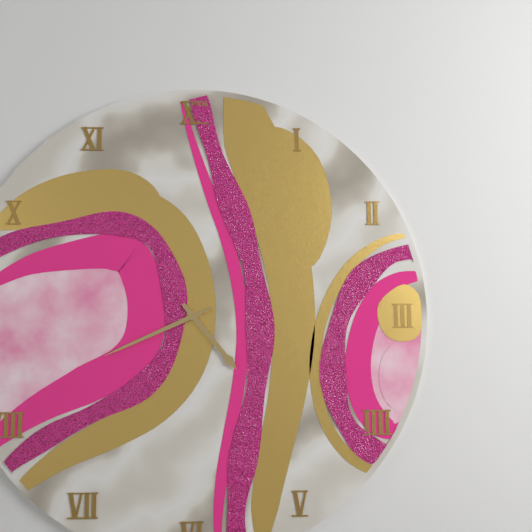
**4:41**
